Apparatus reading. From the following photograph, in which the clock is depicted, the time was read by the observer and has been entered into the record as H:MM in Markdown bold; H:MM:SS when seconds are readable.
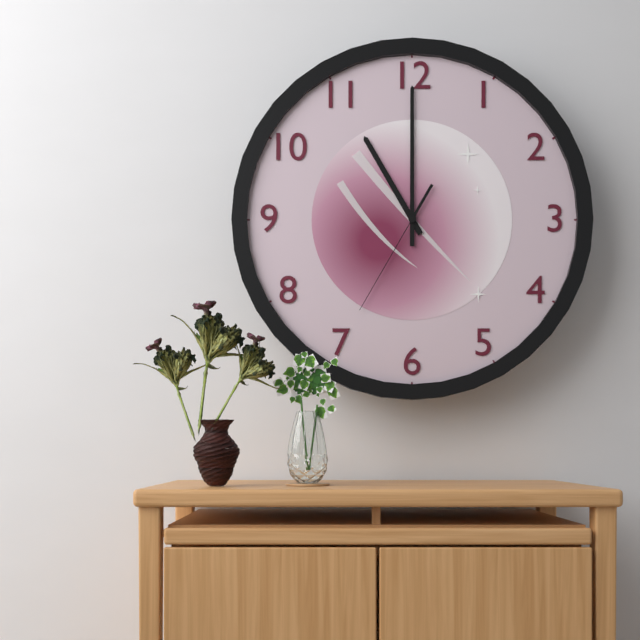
**11:00:35**
